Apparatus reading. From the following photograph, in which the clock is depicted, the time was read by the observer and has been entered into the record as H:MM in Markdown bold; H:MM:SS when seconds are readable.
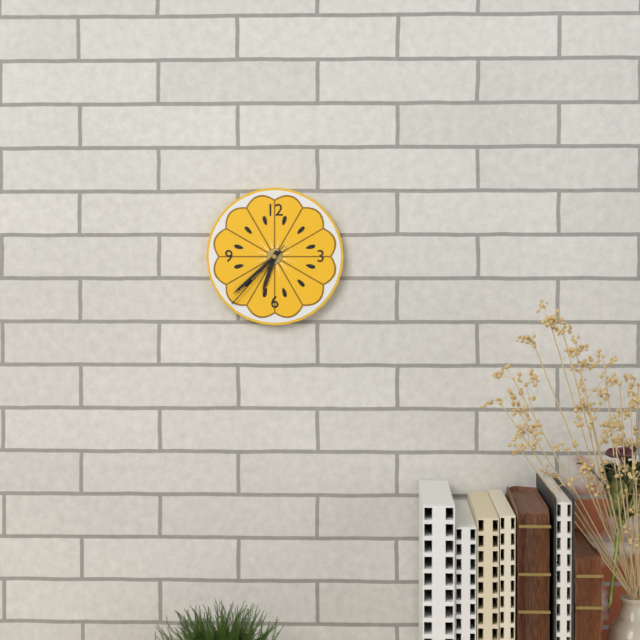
**6:38:37**
